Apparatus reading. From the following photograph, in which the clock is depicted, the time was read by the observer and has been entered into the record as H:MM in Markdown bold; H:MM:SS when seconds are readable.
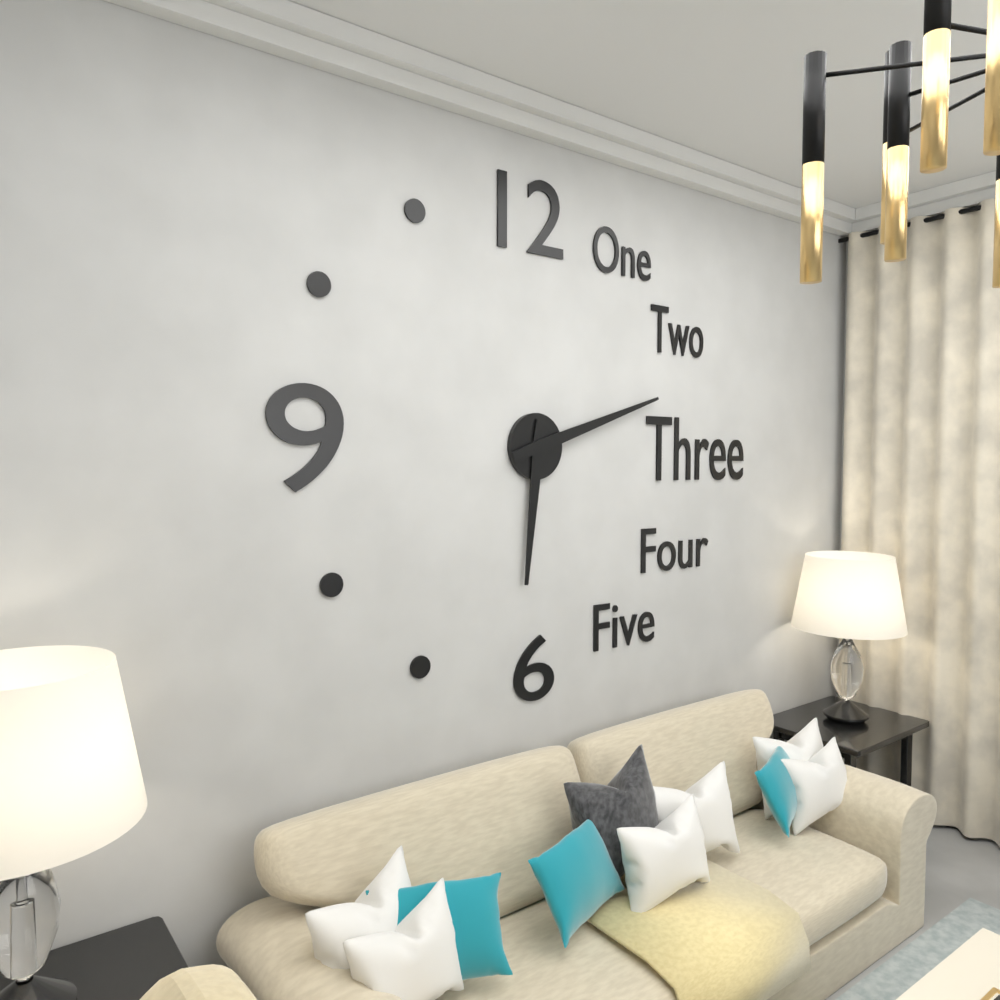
**6:12**
